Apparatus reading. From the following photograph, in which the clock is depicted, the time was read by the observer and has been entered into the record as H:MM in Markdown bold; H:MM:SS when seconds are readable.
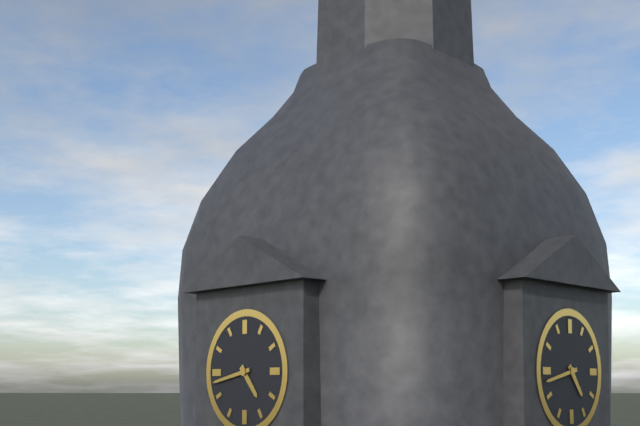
**4:43**
